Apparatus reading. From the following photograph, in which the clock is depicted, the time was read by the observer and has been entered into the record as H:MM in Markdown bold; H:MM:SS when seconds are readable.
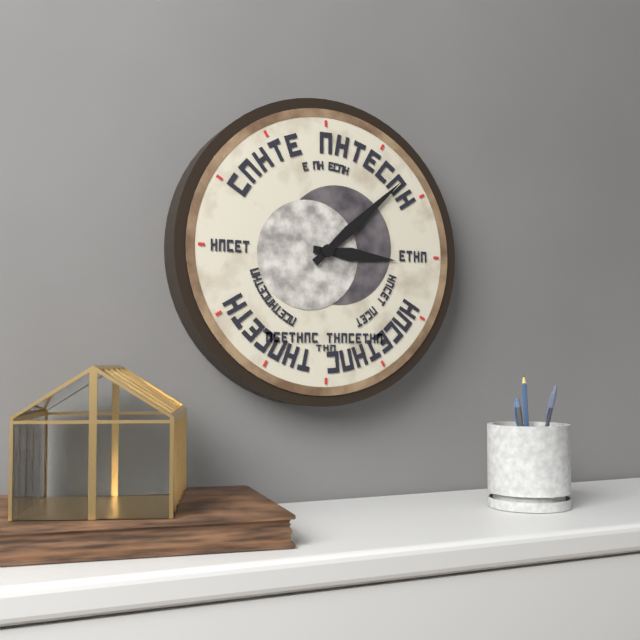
**3:08**
